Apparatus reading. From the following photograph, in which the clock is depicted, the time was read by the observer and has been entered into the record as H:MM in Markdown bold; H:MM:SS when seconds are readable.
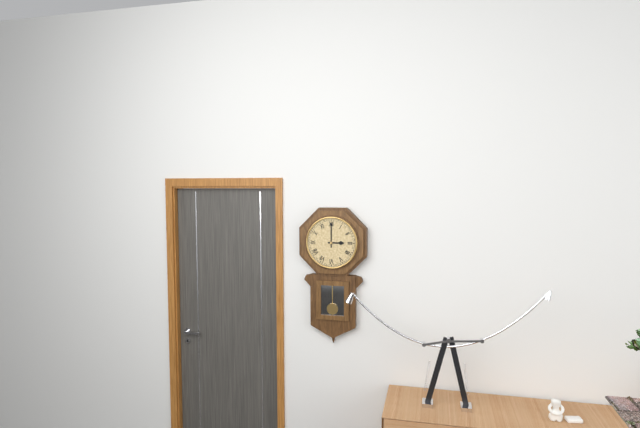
**3:00**
